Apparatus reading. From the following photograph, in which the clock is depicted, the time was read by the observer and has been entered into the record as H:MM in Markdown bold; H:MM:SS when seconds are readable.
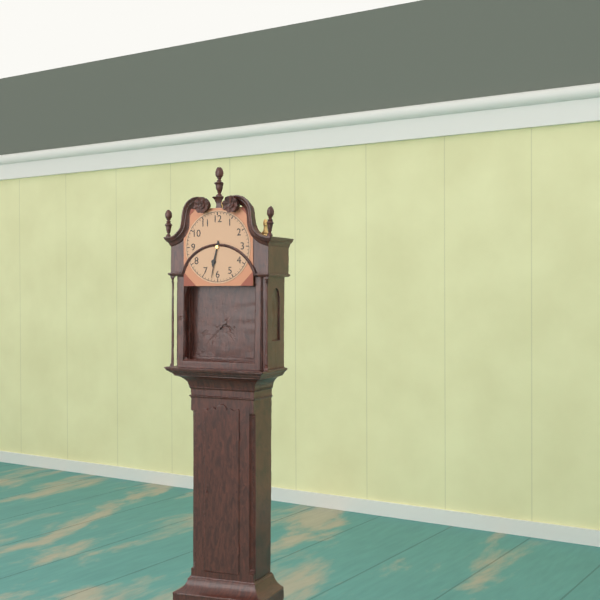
**6:32**
